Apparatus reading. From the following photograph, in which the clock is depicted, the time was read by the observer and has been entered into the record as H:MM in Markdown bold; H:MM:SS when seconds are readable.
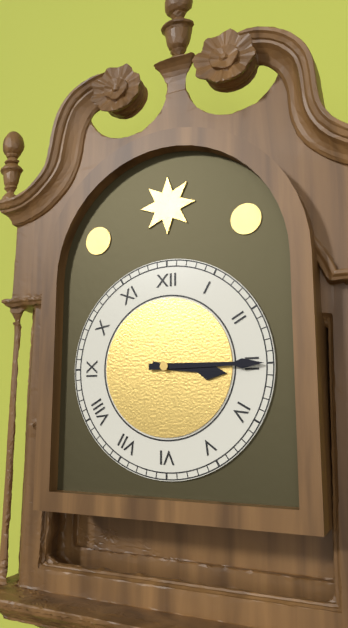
**3:15**
